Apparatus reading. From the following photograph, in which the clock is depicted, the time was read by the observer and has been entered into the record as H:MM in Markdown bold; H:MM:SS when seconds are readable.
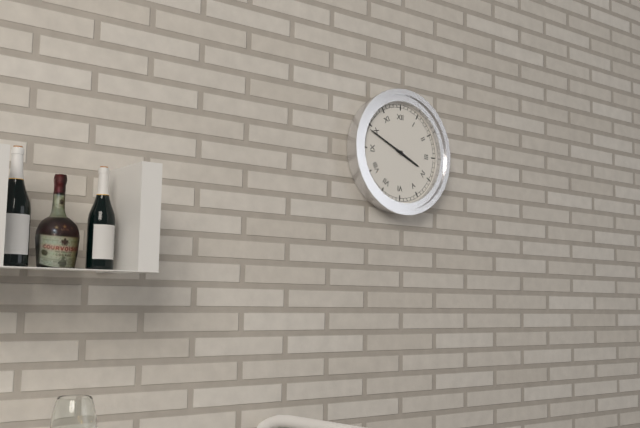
**3:49**
